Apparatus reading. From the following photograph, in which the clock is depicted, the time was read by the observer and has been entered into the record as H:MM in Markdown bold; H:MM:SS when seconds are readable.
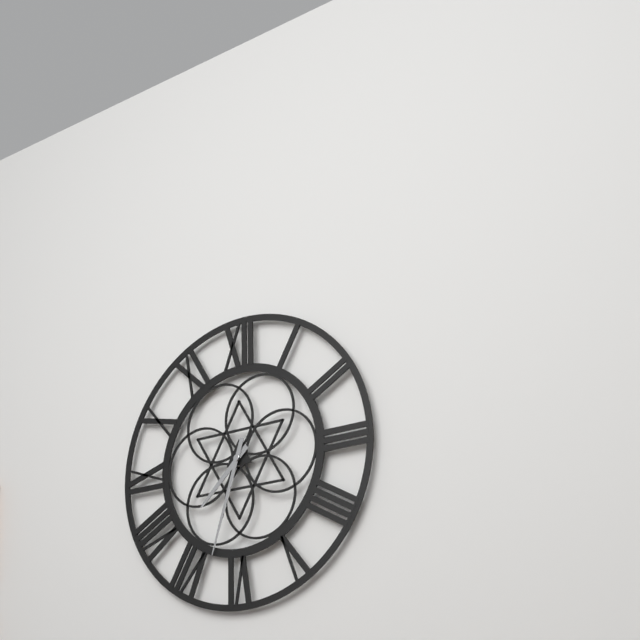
**7:33**
